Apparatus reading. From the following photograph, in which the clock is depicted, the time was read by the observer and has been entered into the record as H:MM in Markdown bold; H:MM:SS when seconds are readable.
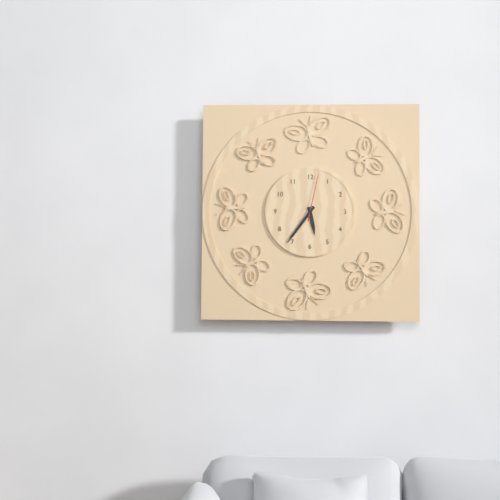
**5:36**
